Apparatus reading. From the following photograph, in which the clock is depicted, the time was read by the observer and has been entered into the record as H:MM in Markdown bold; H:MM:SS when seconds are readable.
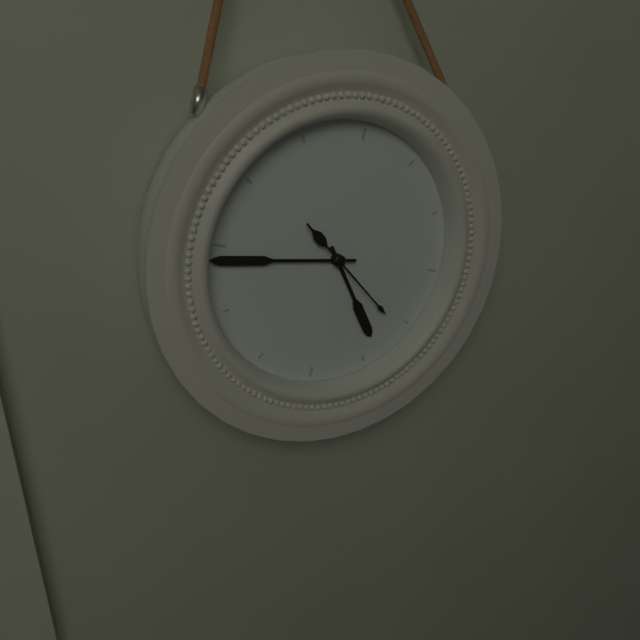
**4:44:21**
